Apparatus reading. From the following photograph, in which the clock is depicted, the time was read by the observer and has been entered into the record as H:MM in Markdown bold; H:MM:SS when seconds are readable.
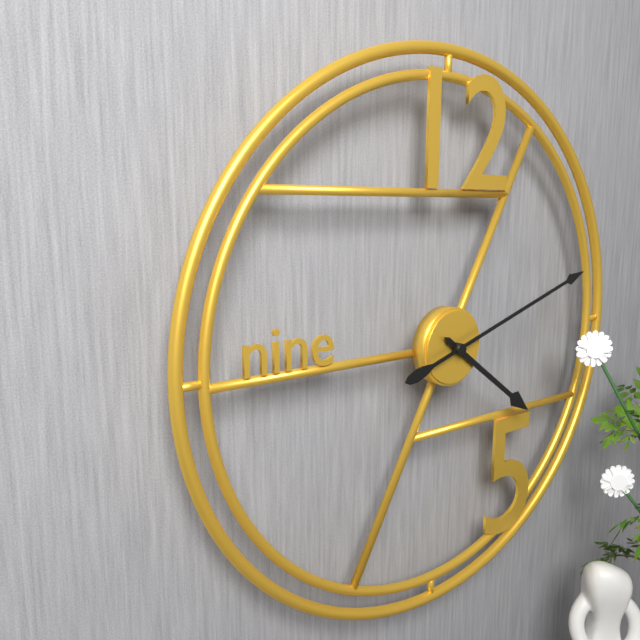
**4:12**
